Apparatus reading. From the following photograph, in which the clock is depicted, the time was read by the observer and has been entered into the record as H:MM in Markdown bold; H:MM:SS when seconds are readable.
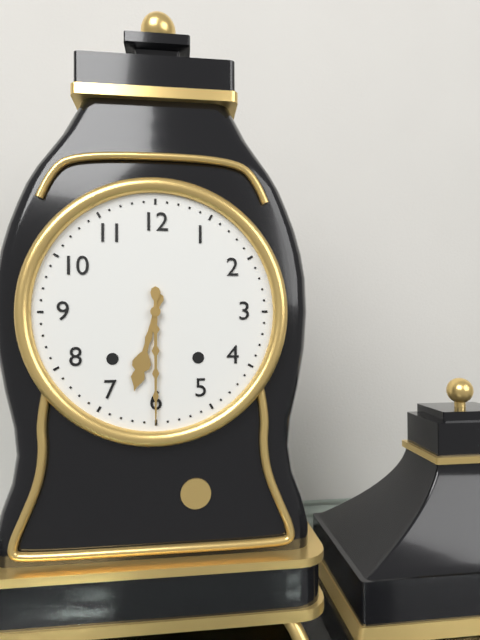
**6:30**
